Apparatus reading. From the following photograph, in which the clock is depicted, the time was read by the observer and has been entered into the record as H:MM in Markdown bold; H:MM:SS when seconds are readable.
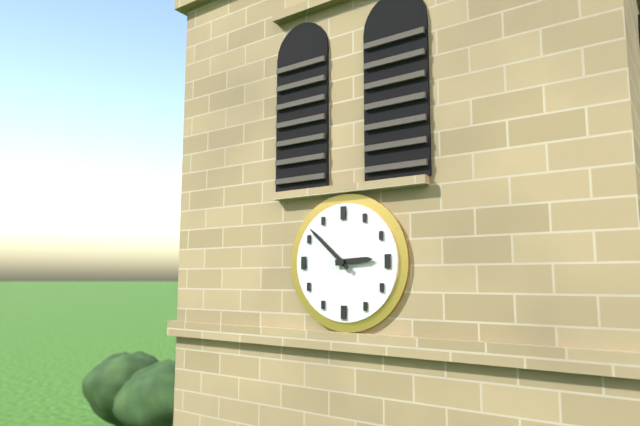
**2:52**
